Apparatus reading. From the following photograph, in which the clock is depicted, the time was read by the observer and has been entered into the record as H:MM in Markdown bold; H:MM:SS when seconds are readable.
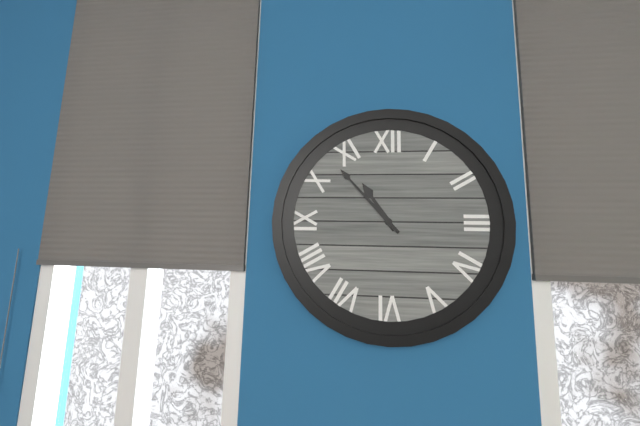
**10:53**
